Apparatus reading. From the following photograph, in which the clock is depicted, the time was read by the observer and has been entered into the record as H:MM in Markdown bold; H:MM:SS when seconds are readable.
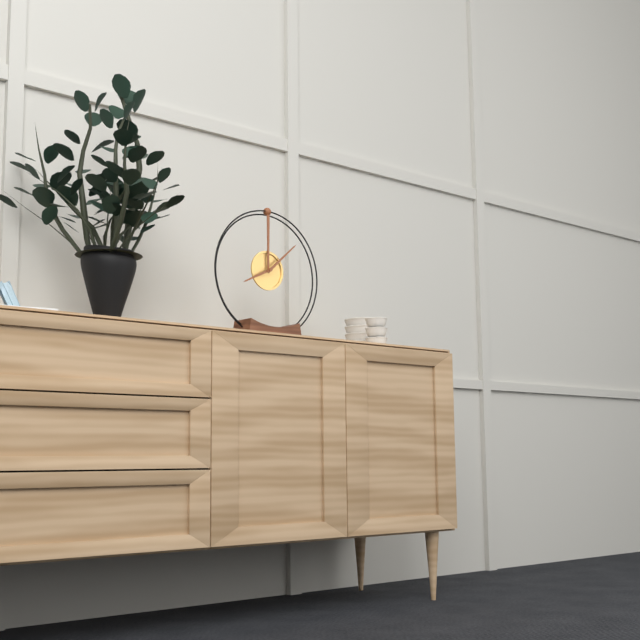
**8:08**
